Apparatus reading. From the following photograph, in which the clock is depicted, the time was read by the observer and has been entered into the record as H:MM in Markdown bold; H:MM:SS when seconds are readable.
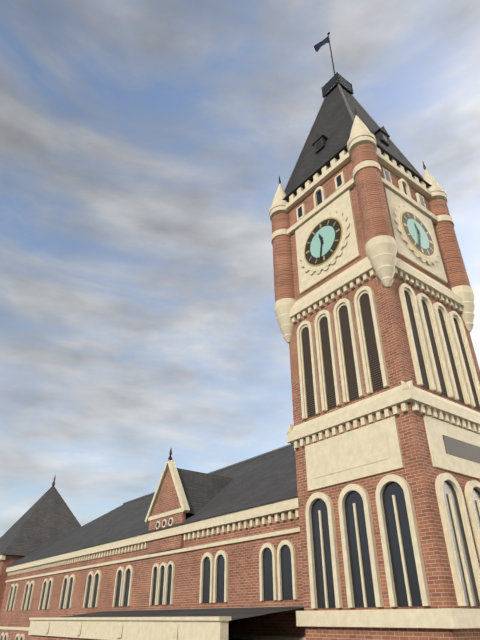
**11:32**
